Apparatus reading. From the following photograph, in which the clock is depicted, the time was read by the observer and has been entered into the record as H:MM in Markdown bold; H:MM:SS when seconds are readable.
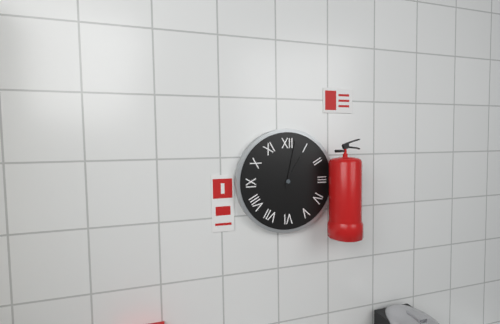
**1:02**
